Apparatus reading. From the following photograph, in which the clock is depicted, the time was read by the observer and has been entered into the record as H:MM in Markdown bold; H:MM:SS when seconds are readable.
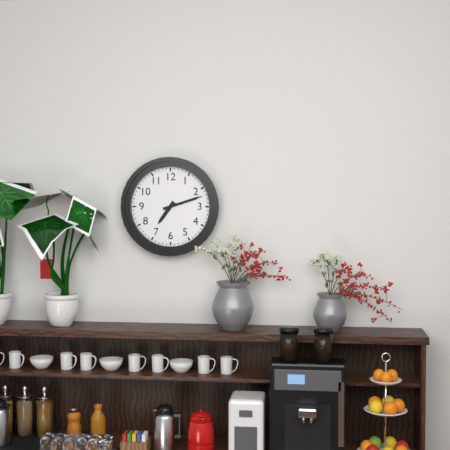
**7:12**
